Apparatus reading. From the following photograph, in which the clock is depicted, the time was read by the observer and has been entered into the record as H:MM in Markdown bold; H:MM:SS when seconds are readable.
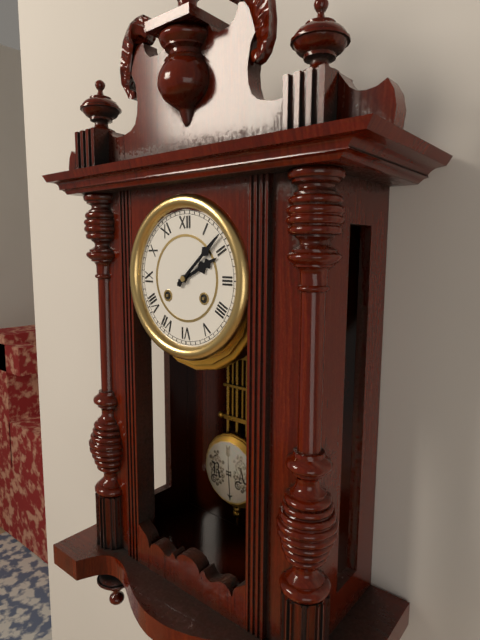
**2:08**
